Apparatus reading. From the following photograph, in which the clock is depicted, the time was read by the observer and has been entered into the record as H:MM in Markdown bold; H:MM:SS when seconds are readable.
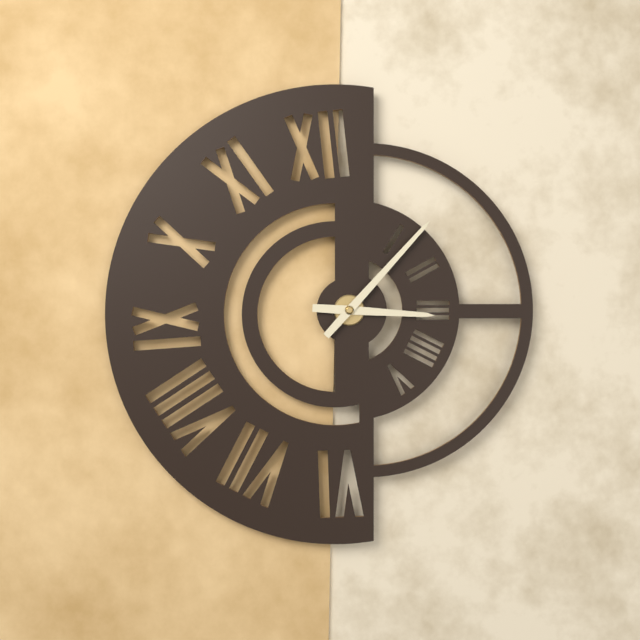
**3:07**
